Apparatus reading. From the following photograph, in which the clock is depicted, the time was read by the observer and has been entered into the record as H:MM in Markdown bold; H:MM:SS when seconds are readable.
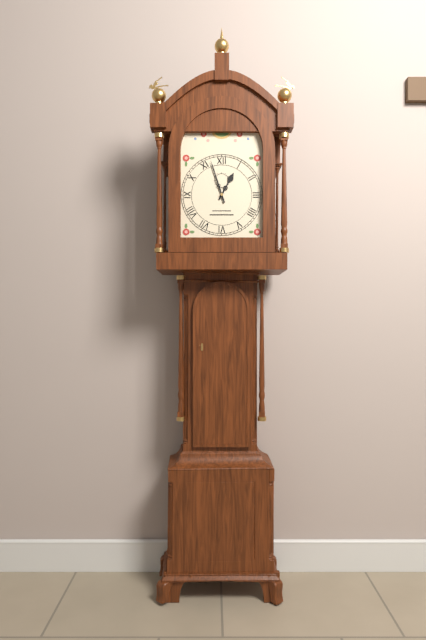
**12:57**
